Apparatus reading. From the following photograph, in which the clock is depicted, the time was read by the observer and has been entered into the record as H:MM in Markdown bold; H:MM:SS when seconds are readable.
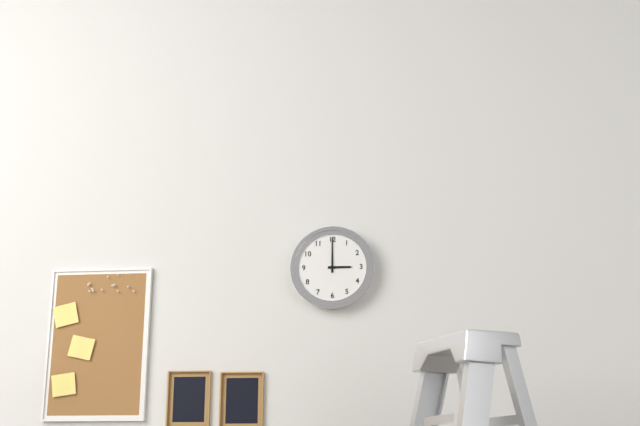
**3:00**
